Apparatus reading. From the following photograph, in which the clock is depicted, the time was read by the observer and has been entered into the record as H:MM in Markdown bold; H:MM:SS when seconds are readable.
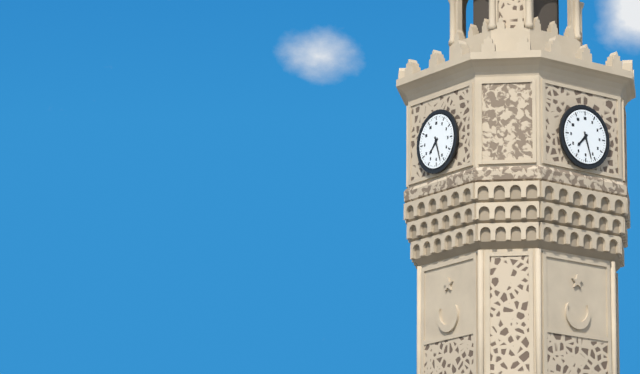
**7:27**
